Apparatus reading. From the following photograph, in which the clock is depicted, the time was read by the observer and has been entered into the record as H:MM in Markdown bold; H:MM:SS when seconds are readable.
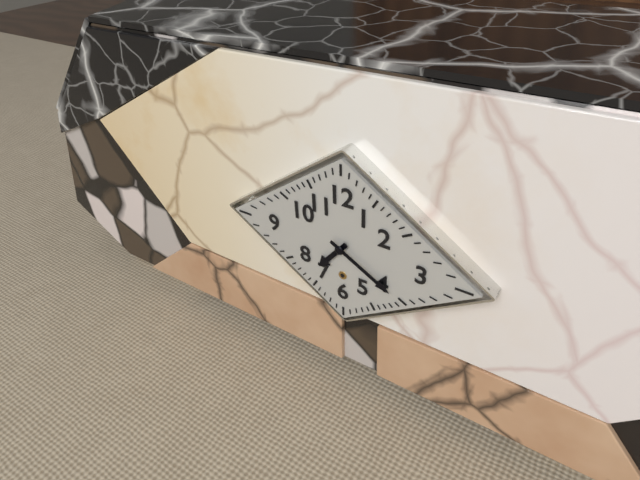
**7:20**
